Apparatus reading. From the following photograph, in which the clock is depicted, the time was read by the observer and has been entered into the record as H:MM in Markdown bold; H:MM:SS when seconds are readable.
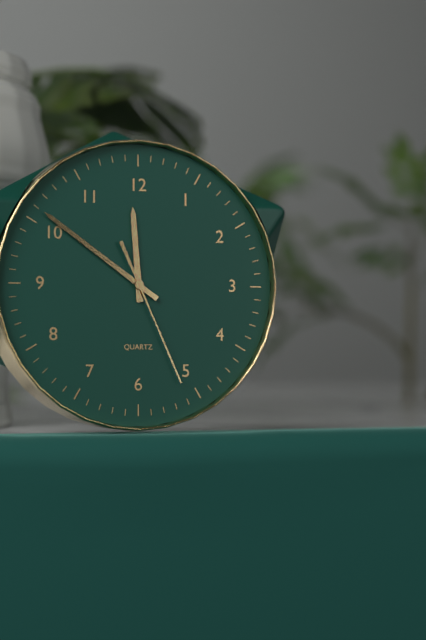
**11:51:26**
